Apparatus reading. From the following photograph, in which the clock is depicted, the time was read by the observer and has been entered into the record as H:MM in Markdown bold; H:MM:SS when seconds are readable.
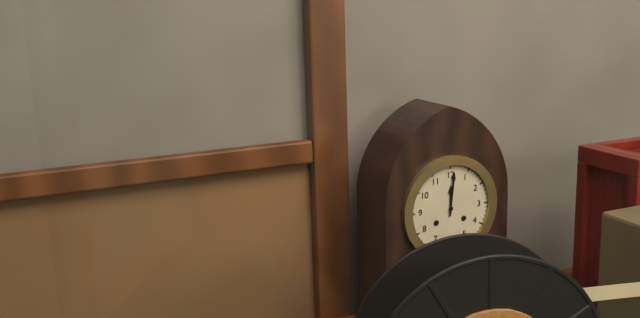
**12:01**
